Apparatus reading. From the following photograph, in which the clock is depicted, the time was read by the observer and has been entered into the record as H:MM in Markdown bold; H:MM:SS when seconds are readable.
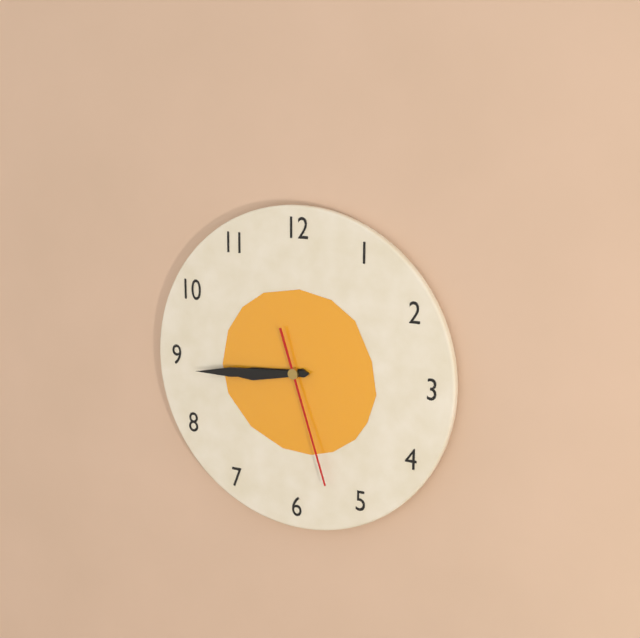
**8:44:27**
